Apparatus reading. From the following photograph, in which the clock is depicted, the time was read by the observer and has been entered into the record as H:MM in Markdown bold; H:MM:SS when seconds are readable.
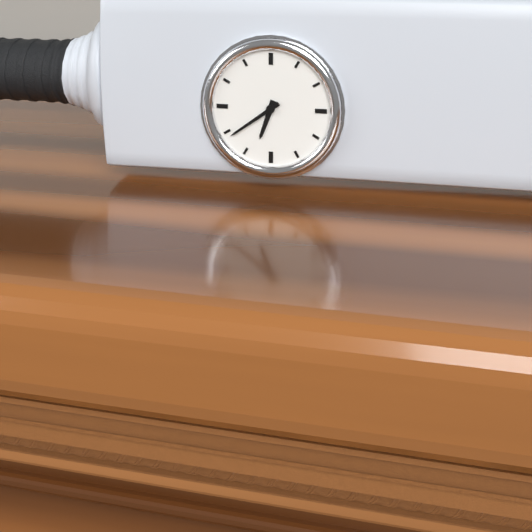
**6:39**
